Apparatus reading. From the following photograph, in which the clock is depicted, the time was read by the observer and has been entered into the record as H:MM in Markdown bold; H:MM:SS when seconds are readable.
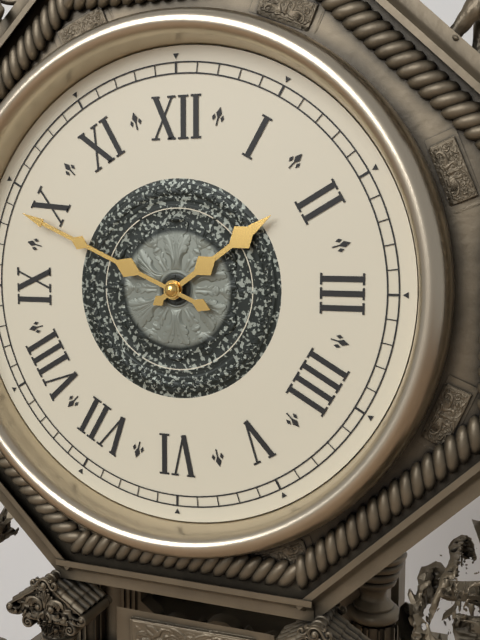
**1:49**
